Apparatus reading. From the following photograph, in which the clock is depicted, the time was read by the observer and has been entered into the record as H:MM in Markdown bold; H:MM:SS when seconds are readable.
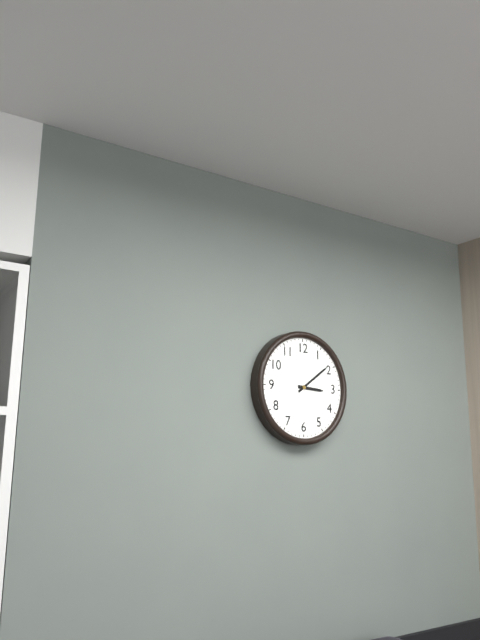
**3:09**
